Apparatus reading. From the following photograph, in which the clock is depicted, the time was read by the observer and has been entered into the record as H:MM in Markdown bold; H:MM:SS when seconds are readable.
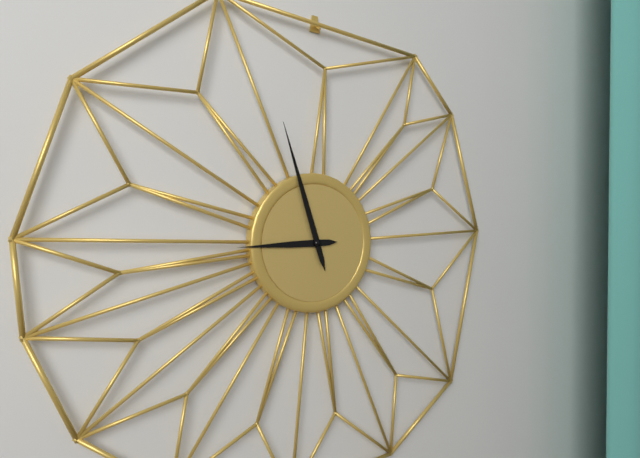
**8:57**
